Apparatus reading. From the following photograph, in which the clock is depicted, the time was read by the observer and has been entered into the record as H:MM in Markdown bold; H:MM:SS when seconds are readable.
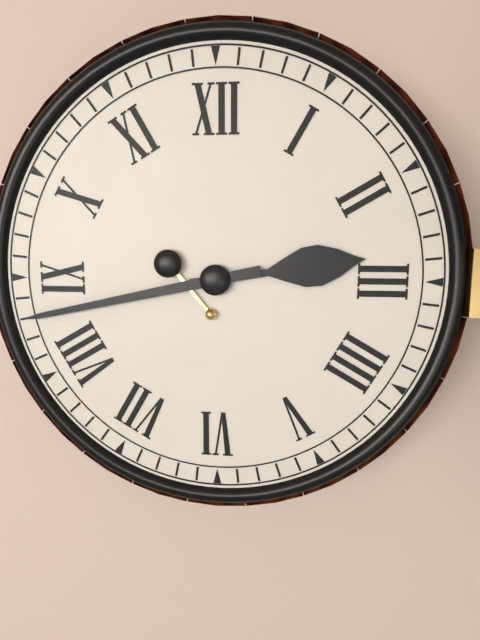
**2:43**
